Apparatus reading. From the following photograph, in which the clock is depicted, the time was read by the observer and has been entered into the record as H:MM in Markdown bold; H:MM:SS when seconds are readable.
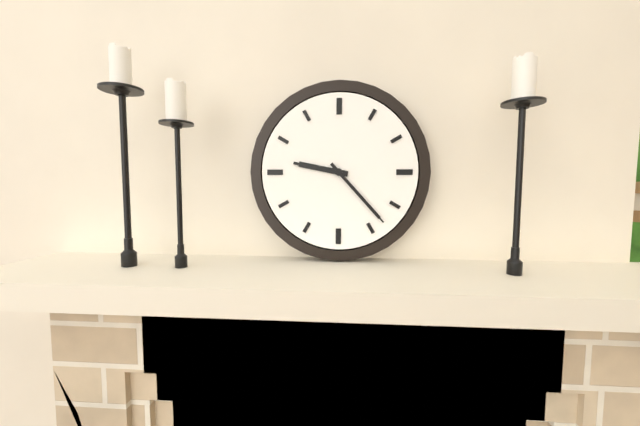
**9:23**
